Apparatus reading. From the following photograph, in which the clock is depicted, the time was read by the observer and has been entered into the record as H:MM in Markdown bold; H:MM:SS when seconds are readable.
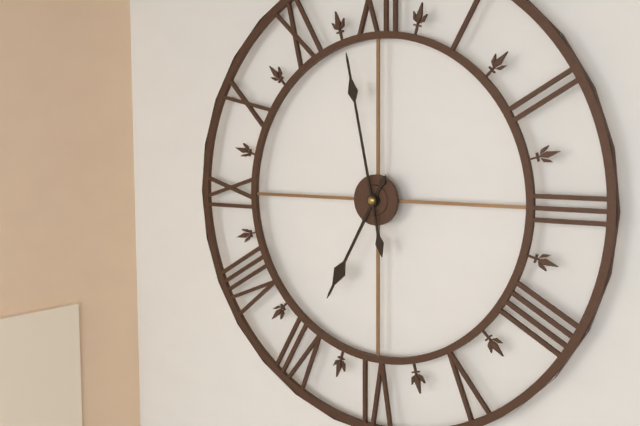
**6:58**
